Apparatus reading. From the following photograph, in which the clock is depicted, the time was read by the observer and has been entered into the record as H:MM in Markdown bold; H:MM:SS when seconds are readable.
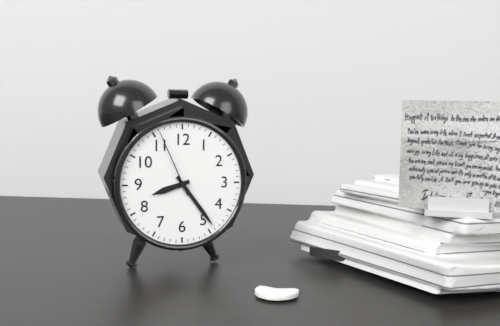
**8:24:56**
